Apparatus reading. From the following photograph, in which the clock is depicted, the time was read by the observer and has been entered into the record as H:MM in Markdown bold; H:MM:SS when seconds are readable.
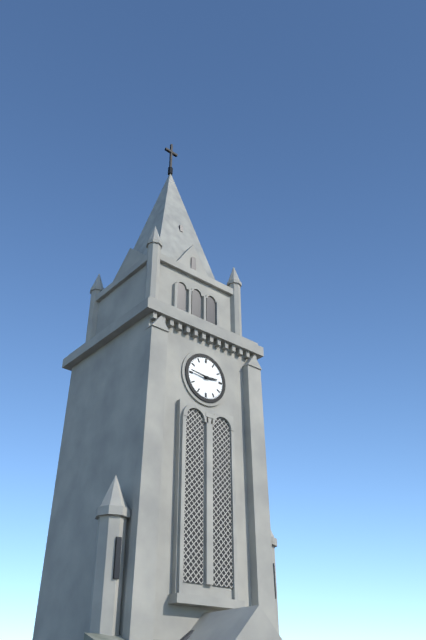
**2:46**
